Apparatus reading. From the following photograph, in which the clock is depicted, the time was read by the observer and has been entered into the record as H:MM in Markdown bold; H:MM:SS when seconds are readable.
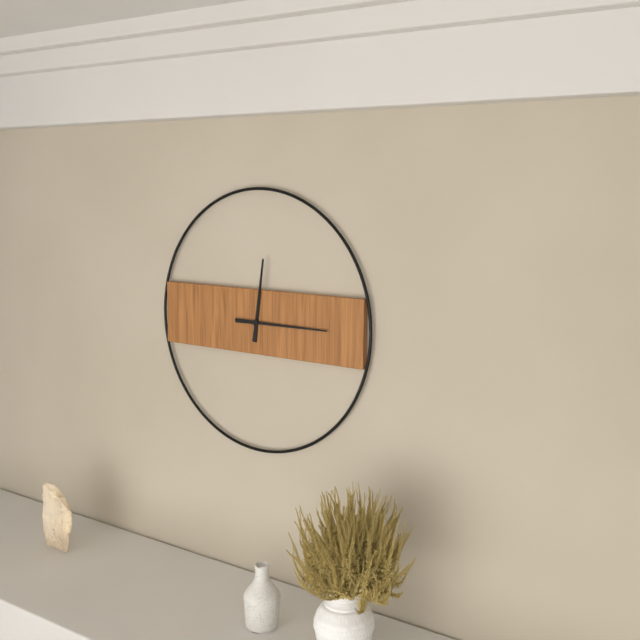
**12:15**
